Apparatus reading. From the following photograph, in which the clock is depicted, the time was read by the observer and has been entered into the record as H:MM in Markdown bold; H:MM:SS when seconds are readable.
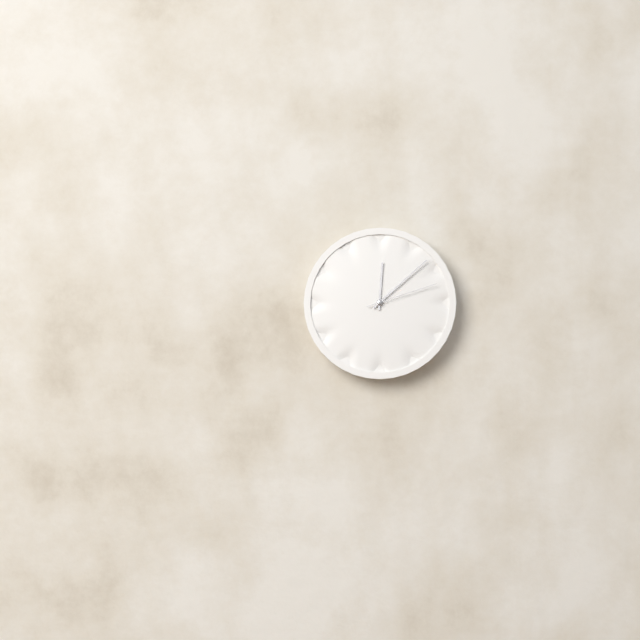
**12:08:12**
